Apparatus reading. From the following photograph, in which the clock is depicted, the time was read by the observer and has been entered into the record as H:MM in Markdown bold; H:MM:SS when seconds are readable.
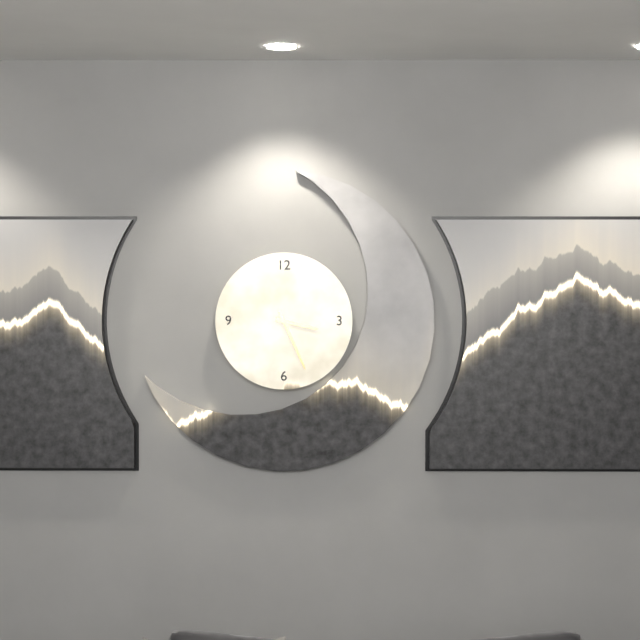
**3:26**
